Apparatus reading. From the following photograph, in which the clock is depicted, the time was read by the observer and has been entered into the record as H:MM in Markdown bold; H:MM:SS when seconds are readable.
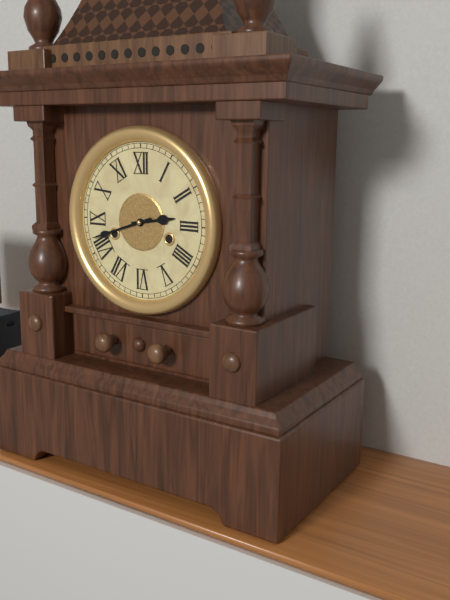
**2:42**
